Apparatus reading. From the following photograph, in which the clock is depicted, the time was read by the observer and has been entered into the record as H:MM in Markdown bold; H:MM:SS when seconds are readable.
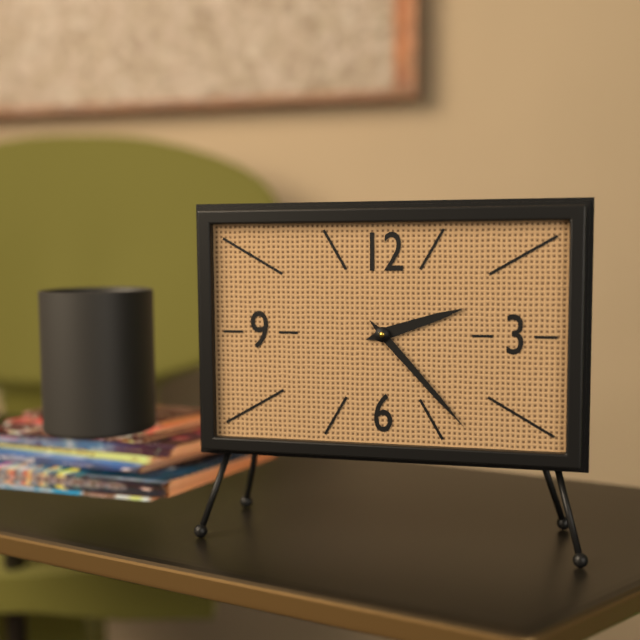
**2:23**
